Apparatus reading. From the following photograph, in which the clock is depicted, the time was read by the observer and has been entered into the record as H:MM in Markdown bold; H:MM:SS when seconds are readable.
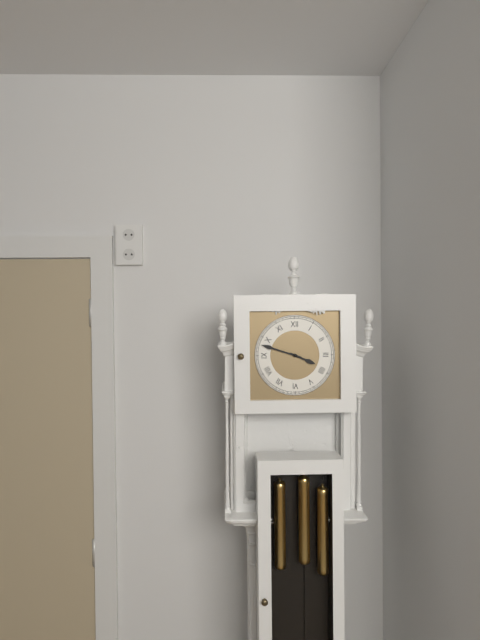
**3:48**
